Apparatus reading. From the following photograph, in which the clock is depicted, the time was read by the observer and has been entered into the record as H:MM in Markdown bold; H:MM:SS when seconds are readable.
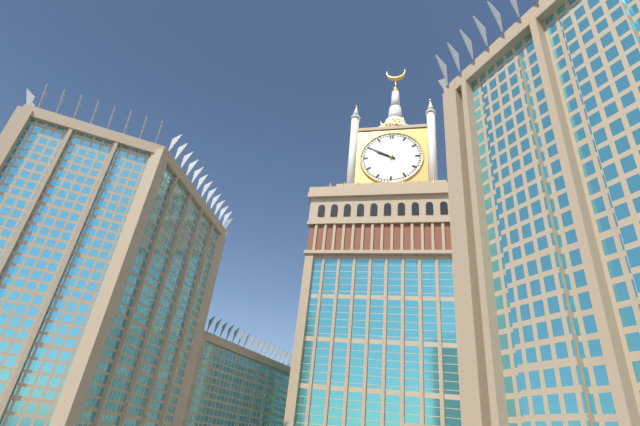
**9:50**
